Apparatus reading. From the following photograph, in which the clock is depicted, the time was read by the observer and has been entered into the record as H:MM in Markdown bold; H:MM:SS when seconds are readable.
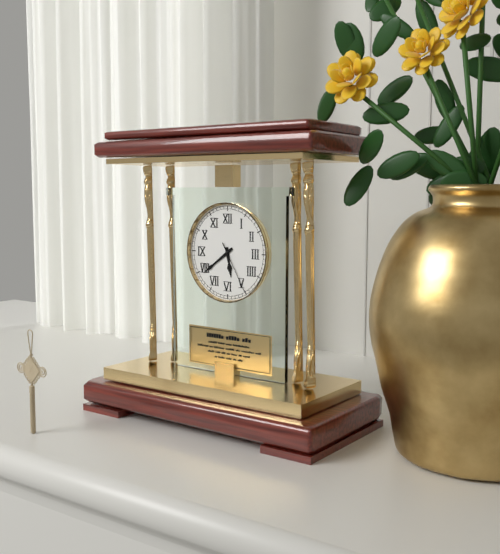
**5:39:25**
